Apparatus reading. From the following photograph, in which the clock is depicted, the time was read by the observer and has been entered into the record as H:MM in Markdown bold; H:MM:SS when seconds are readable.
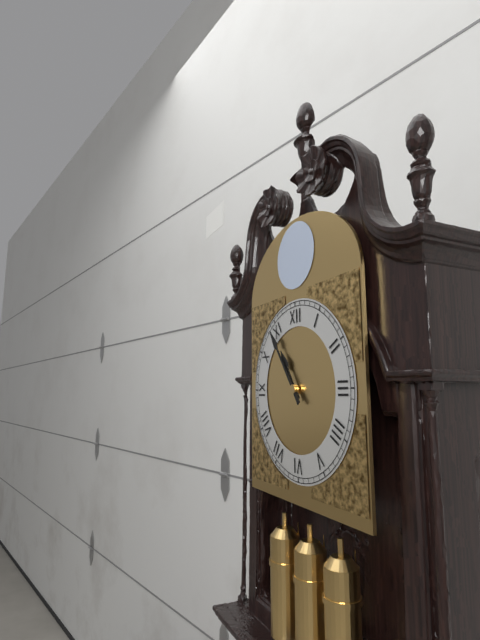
**10:54**
